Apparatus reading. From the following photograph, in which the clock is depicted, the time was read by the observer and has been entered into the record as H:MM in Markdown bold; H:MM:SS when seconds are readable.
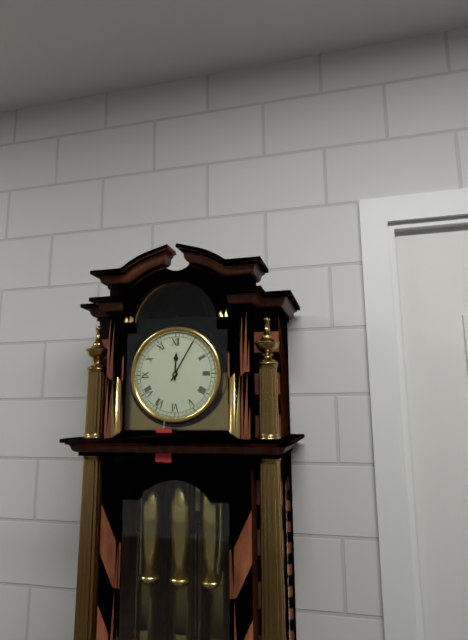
**12:05**
